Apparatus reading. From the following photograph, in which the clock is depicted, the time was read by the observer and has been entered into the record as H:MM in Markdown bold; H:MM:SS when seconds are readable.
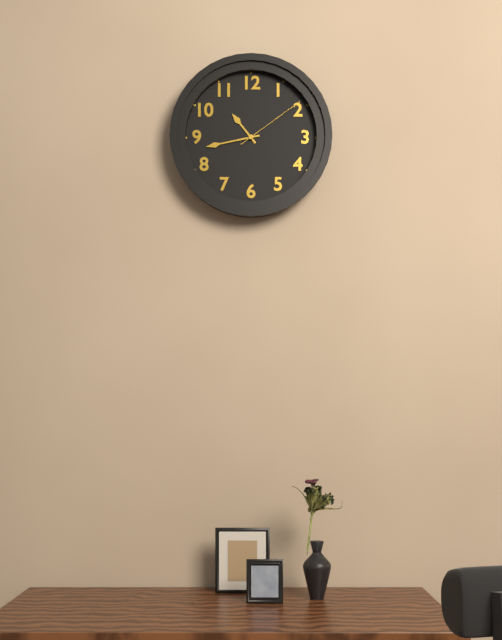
**10:43:09**
